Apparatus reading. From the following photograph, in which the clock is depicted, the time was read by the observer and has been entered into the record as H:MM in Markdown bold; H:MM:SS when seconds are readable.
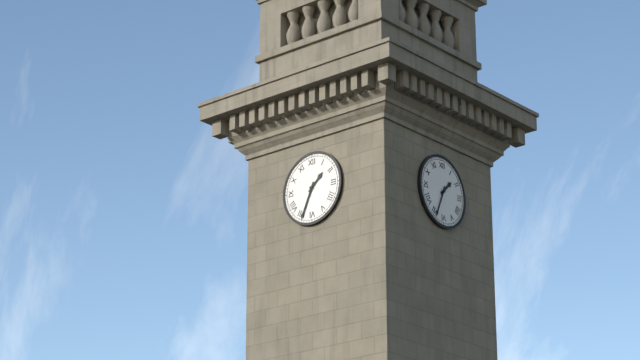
**1:34**
